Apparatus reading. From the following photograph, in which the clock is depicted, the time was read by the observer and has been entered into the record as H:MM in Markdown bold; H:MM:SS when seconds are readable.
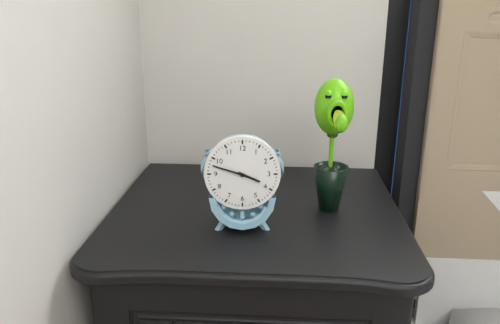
**3:48**
